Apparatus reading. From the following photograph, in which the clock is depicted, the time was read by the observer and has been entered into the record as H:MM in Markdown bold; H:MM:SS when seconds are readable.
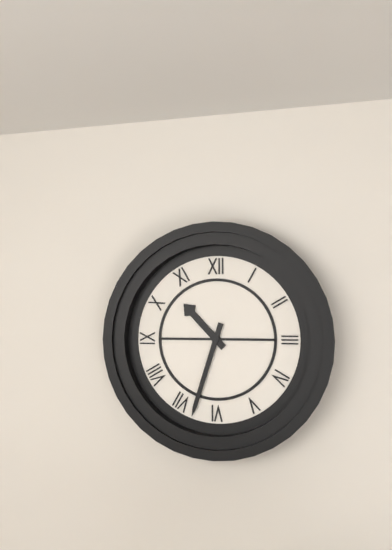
**10:33**
